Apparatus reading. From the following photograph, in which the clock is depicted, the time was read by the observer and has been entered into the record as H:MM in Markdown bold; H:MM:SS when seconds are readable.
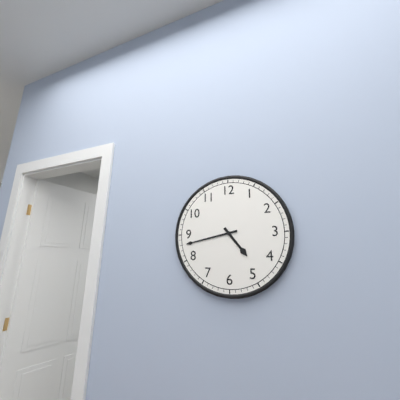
**4:43**
